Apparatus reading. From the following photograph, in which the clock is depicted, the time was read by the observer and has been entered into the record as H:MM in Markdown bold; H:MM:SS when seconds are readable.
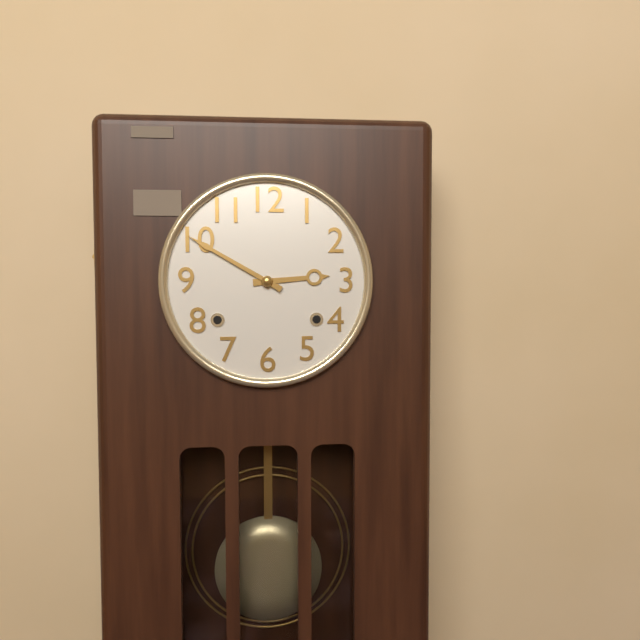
**2:50**
